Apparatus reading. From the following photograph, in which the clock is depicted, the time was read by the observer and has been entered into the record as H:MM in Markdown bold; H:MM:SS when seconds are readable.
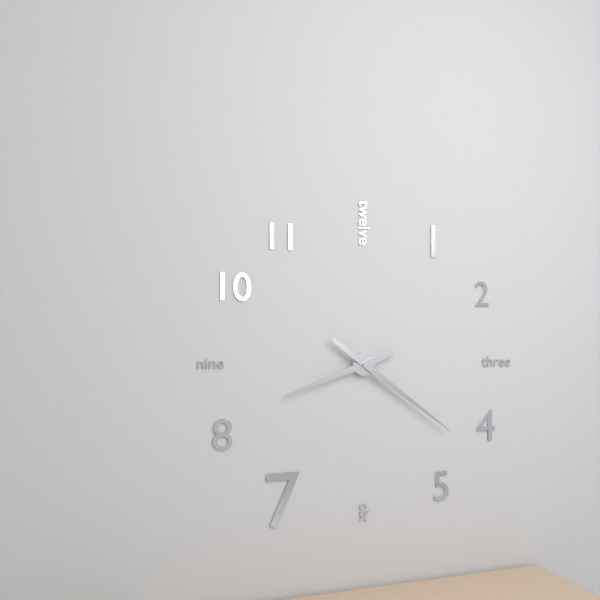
**8:21**
